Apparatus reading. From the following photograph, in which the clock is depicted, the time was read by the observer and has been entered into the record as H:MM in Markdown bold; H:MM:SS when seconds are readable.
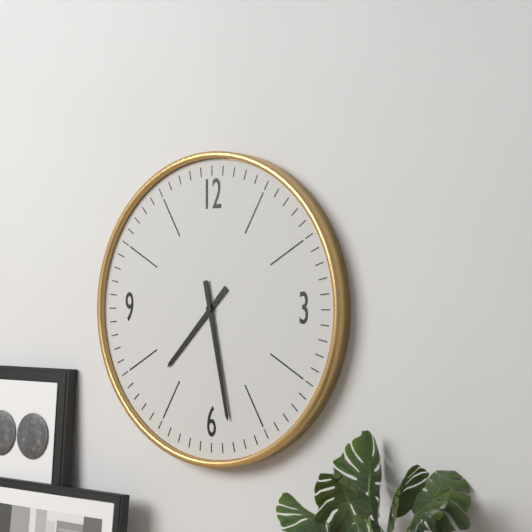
**7:28**
